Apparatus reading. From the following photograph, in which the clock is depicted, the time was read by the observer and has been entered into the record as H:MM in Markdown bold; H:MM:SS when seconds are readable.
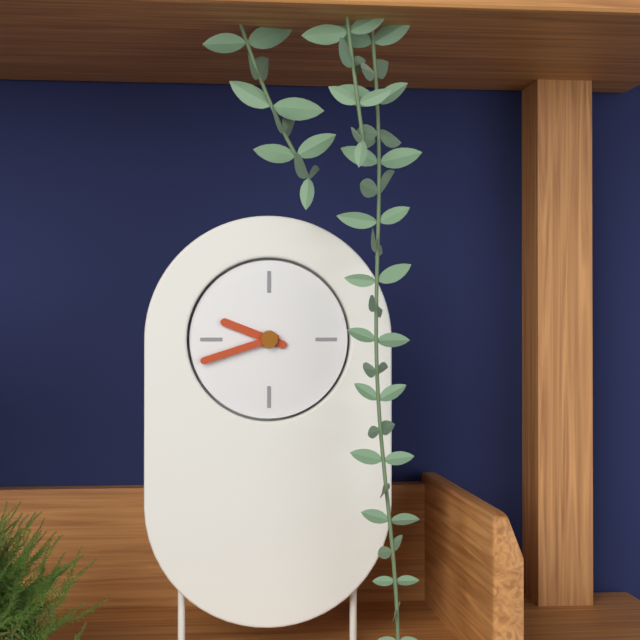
**9:42**
